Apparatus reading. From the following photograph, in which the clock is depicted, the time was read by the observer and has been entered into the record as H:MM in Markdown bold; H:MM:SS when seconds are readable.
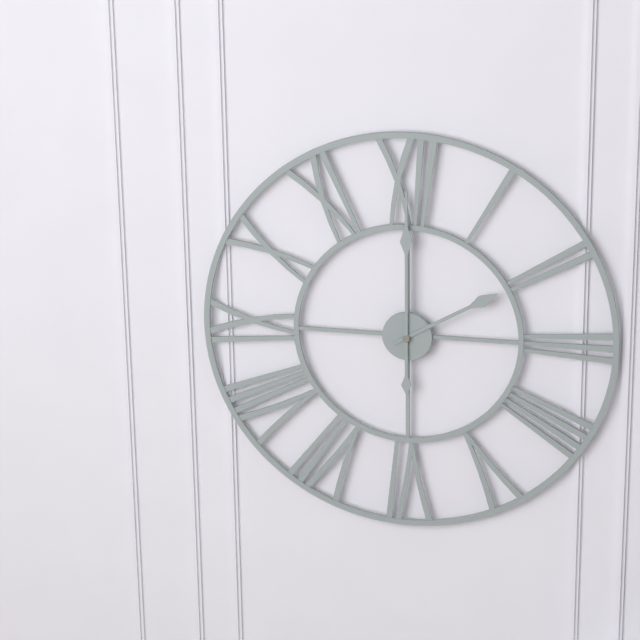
**2:00**
